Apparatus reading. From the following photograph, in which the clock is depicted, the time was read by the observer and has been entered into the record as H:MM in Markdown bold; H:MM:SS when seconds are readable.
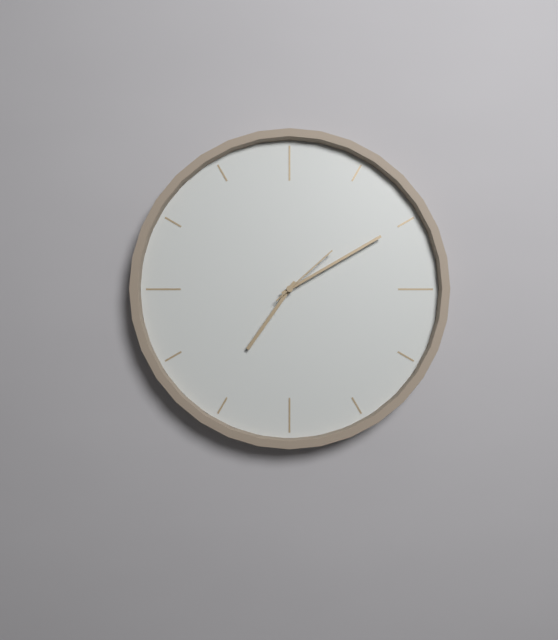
**7:10:08**
